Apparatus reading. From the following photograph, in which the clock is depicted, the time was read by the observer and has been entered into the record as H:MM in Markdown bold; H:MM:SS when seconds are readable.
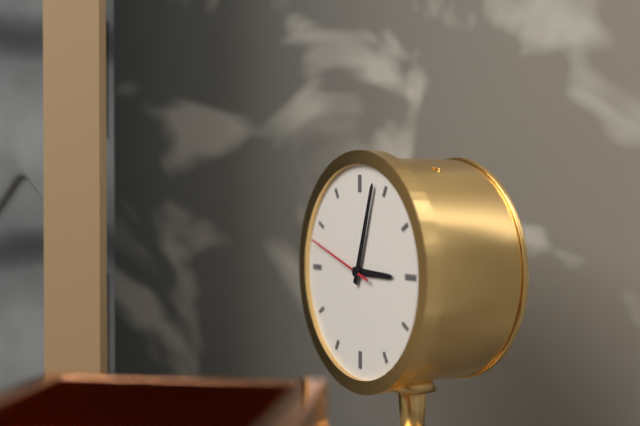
**3:03:48**
